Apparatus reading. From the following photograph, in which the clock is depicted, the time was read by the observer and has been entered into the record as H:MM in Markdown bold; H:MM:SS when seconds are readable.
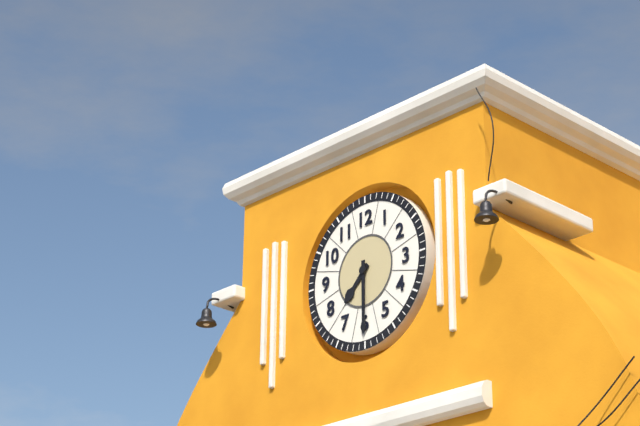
**7:30**
